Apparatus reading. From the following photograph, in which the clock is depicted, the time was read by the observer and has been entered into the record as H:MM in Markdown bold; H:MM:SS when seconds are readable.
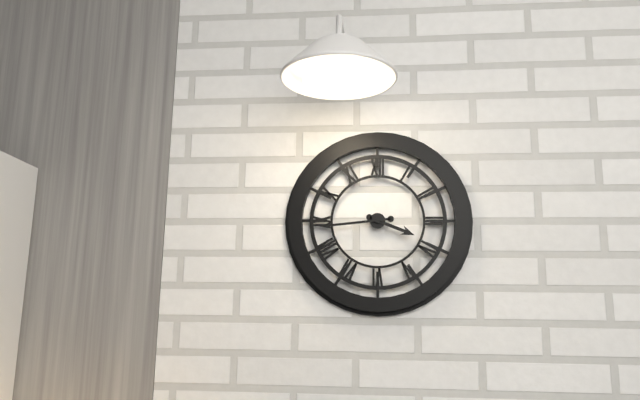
**3:44**
